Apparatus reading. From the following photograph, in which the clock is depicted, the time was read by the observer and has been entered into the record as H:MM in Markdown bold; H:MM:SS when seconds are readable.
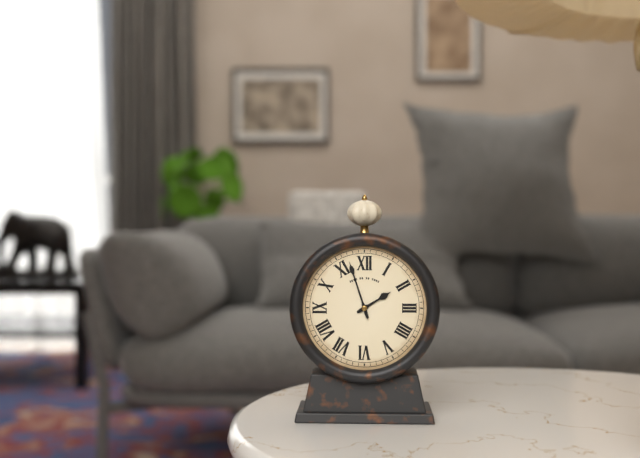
**1:57**
